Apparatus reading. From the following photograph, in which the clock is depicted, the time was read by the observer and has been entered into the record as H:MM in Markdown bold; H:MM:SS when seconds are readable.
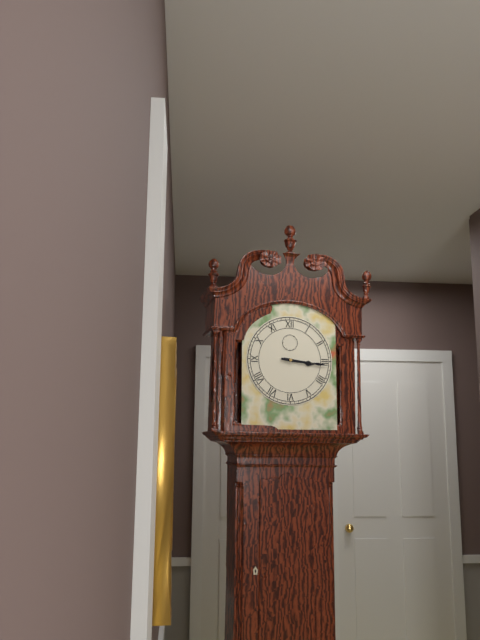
**3:16**
